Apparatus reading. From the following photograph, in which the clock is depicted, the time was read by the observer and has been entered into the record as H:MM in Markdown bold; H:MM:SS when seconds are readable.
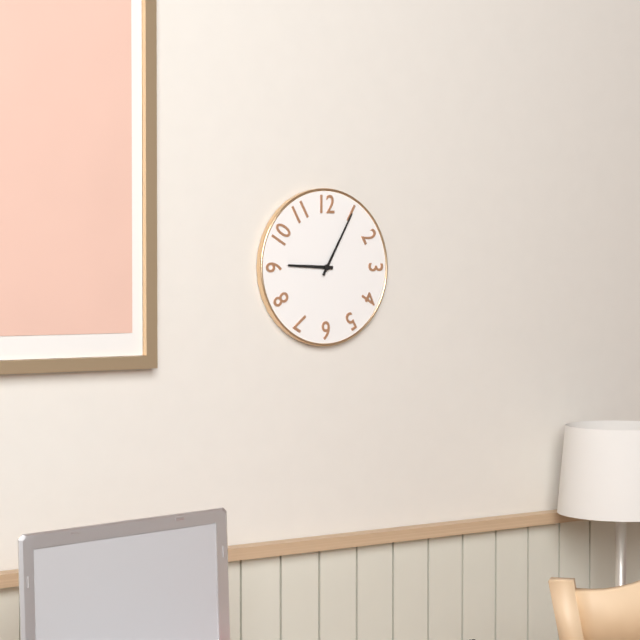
**9:05**
